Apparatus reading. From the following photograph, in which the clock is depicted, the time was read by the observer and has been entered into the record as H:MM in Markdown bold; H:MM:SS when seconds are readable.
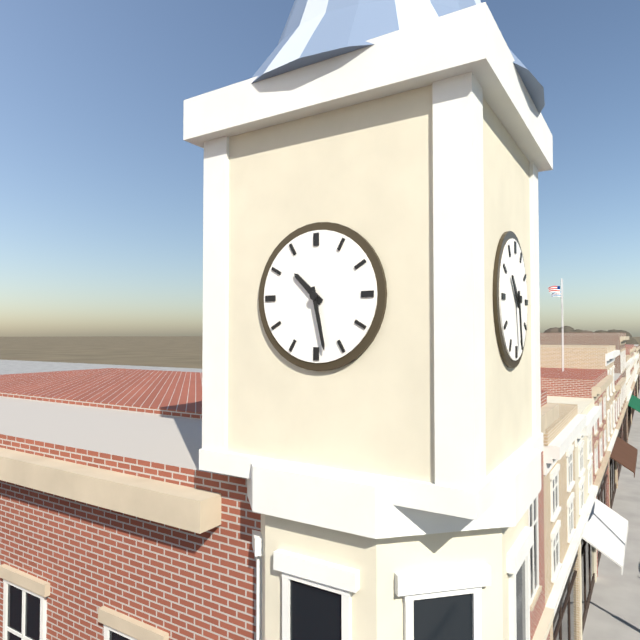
**10:28**
